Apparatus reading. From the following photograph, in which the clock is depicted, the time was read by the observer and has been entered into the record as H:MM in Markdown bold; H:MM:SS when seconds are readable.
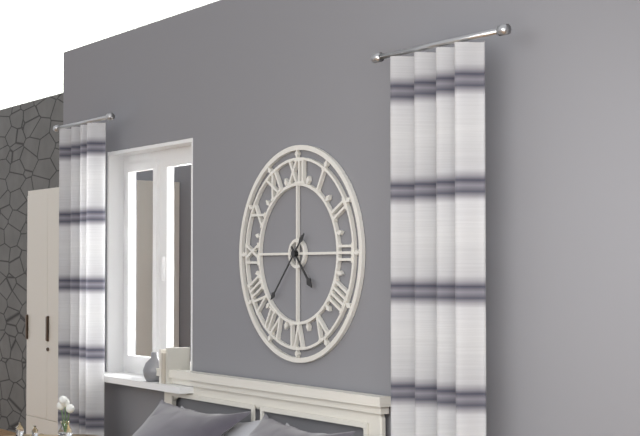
**4:37**
